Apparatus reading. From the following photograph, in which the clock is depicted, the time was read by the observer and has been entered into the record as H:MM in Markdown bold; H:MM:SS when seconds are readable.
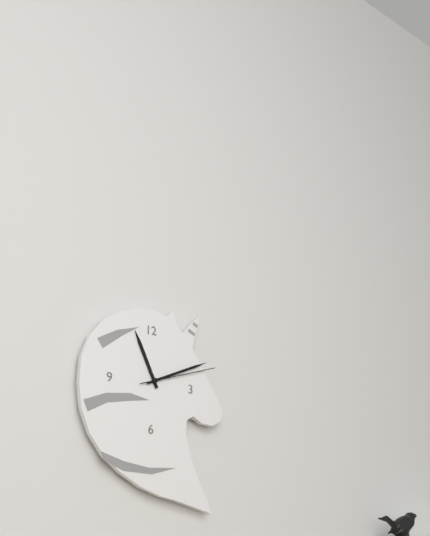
**11:11:12**
